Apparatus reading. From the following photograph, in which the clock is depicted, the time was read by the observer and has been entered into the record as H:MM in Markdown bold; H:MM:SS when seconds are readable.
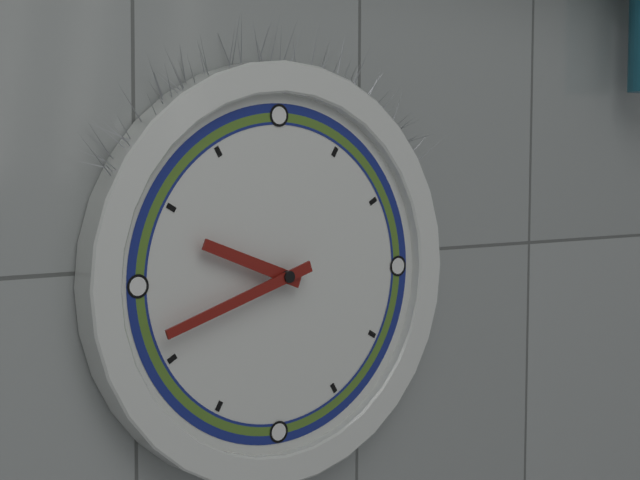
**9:42**
